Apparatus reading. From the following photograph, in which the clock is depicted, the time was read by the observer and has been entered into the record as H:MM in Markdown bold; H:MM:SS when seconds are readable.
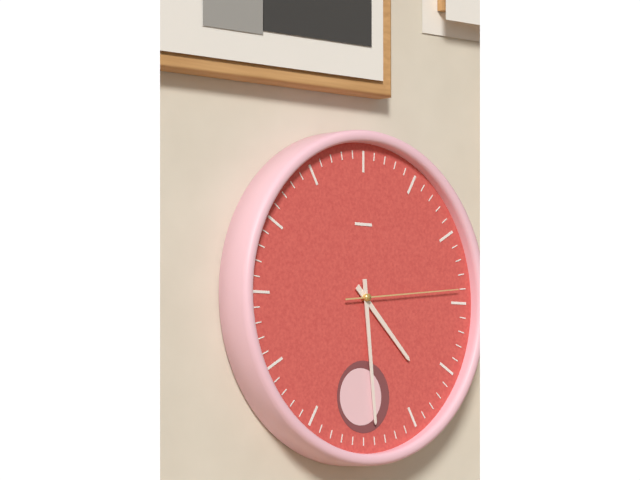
**4:29:14**
